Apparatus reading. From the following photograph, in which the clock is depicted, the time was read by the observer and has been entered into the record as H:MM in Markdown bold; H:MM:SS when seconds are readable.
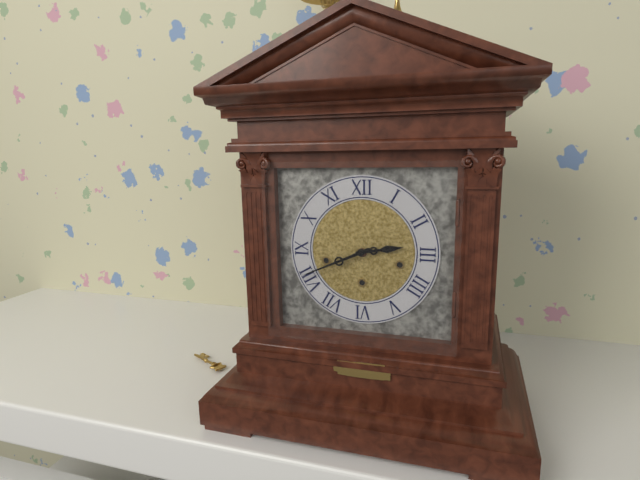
**2:41**
